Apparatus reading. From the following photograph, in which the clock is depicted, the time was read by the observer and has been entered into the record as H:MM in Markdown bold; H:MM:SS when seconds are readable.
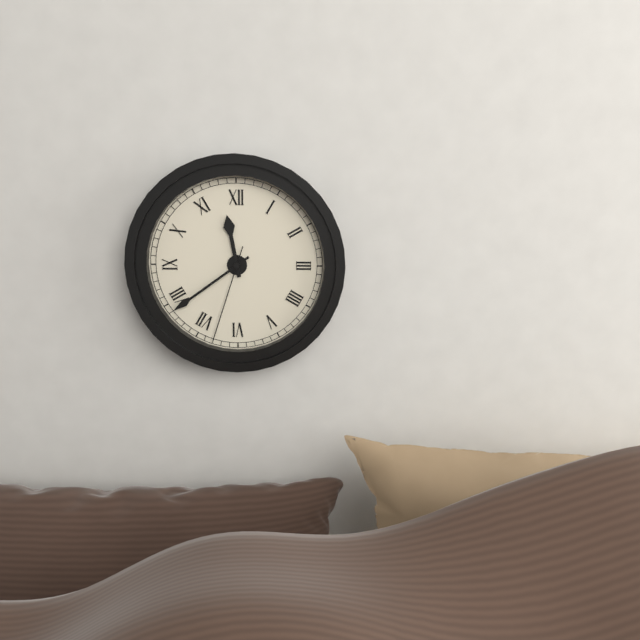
**11:39:33**
